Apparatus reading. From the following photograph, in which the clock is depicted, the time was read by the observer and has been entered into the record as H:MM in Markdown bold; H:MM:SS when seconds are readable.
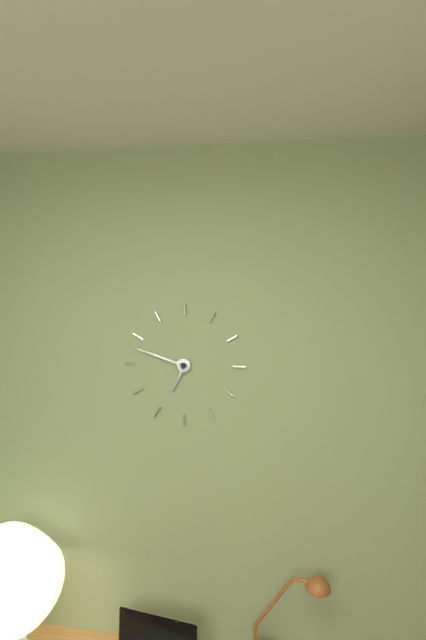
**6:48**
